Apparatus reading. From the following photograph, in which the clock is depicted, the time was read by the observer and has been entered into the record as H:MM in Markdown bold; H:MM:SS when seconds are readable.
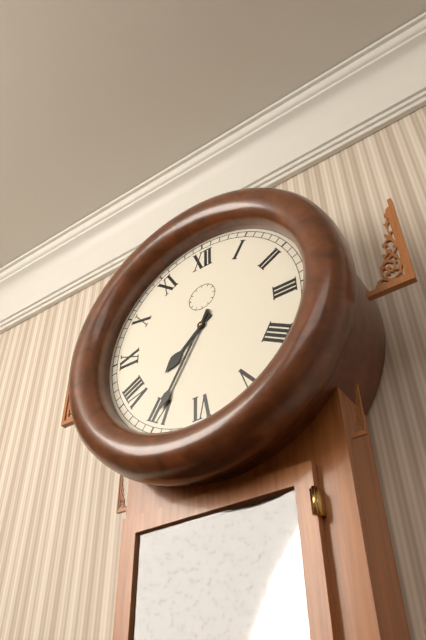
**7:35**
